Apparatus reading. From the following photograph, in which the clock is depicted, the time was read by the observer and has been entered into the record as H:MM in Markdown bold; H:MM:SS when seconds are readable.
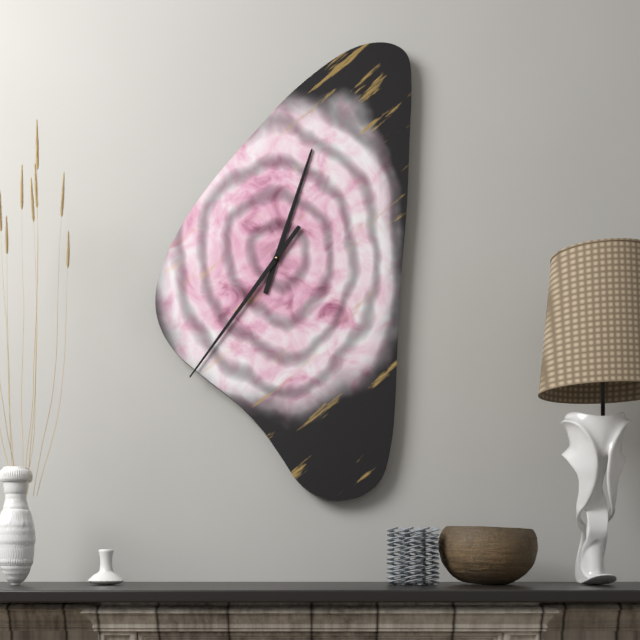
**12:36**
